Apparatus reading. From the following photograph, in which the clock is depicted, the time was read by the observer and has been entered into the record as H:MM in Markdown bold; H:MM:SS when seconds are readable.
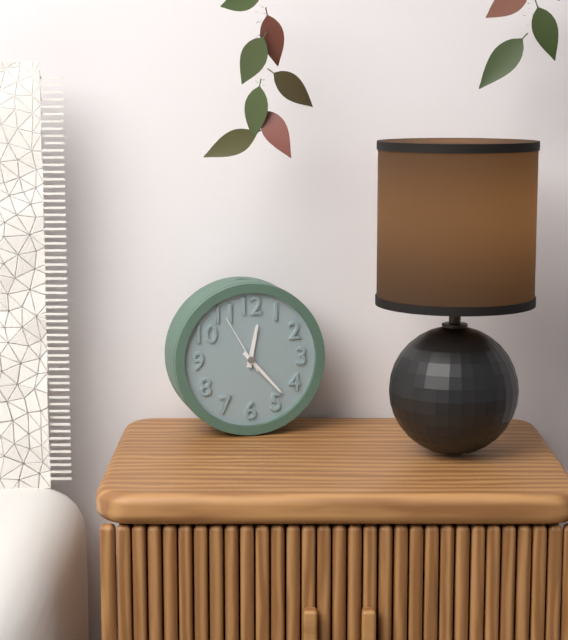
**12:23:55**
